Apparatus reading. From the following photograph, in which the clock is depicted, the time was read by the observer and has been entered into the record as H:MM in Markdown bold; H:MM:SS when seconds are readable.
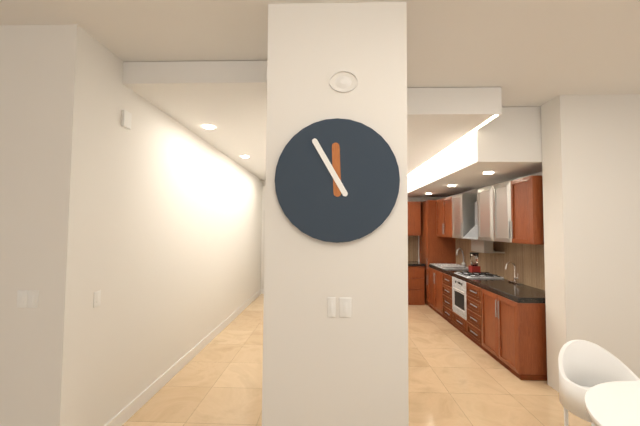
**11:55**
